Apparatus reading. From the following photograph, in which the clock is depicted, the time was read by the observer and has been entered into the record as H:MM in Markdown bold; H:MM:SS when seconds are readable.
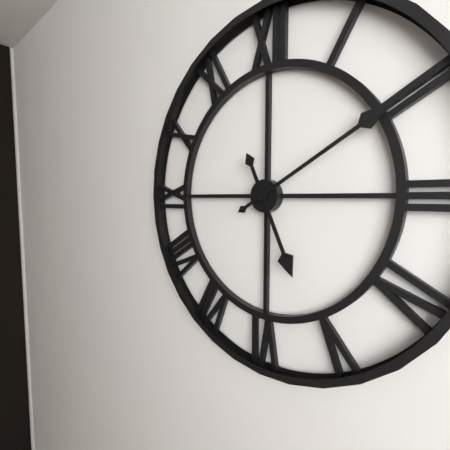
**5:10**
